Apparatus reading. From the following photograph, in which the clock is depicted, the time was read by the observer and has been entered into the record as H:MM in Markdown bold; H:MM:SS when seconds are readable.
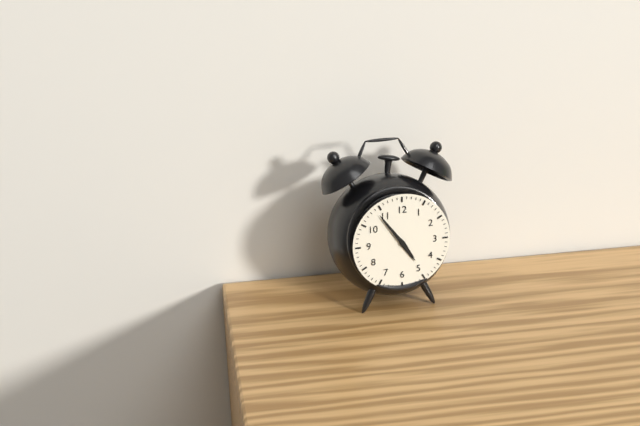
**4:54**
